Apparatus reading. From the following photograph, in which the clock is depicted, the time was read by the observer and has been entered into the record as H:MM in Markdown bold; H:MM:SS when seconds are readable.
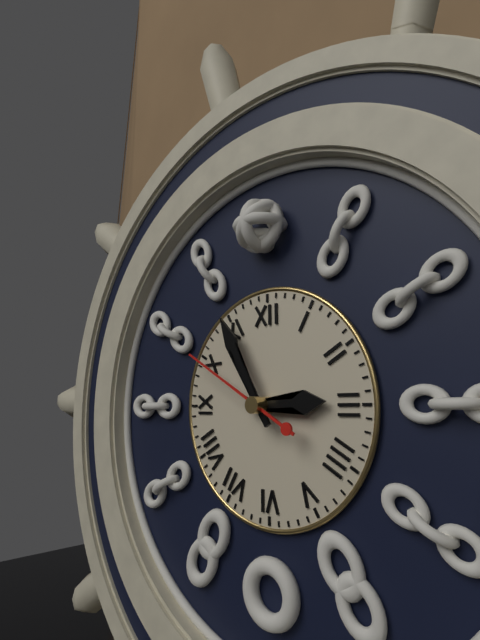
**2:55:50**
